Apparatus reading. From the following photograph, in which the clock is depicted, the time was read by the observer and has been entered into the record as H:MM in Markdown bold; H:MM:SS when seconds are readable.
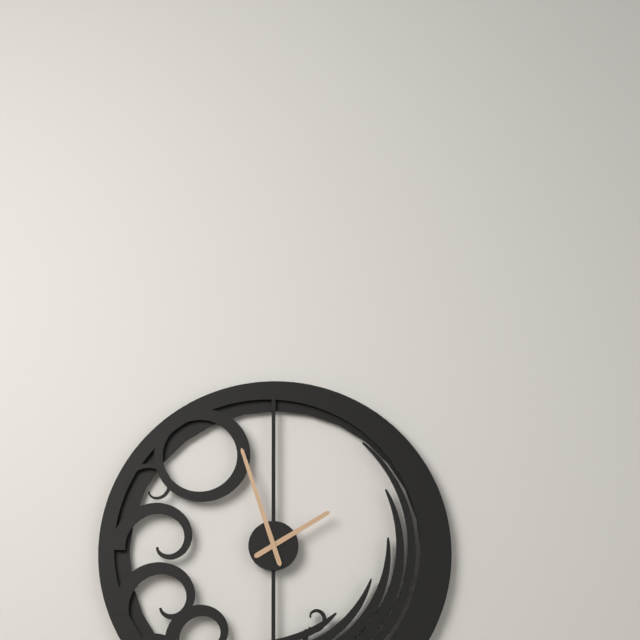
**1:57**
